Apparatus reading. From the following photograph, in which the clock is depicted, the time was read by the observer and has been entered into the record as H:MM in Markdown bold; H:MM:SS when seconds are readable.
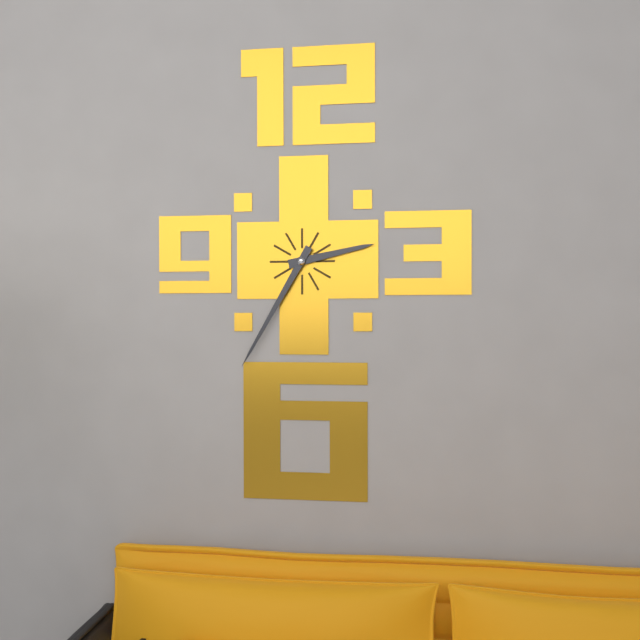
**2:35**
